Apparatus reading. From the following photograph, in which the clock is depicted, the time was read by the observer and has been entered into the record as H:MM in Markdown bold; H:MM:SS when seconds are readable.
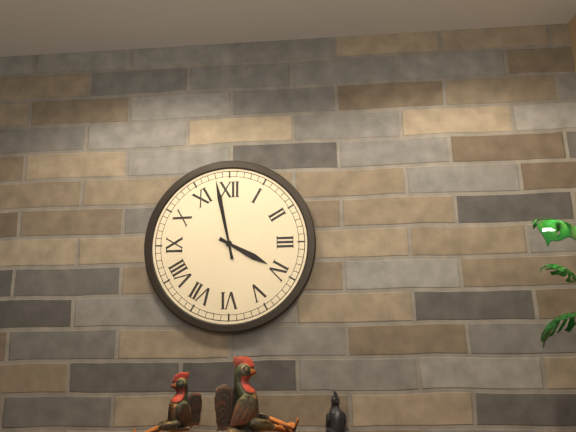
**3:58**
